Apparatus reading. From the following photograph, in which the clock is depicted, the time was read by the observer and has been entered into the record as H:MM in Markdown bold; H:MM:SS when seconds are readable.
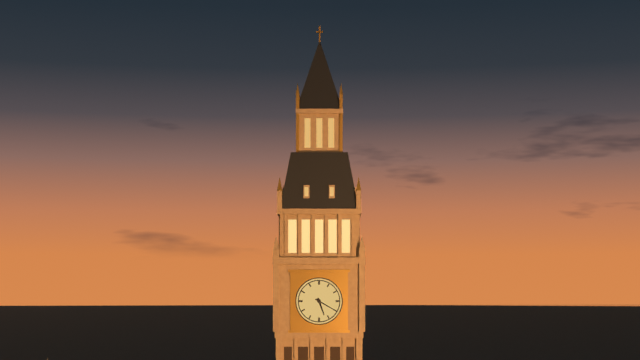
**5:20**
